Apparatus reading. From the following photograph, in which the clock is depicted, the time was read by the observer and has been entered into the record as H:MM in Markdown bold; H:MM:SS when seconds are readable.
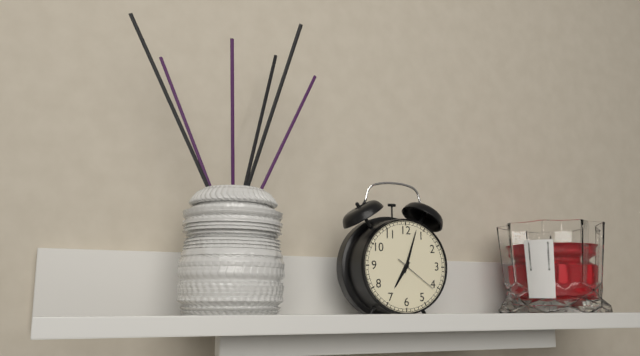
**7:03**
